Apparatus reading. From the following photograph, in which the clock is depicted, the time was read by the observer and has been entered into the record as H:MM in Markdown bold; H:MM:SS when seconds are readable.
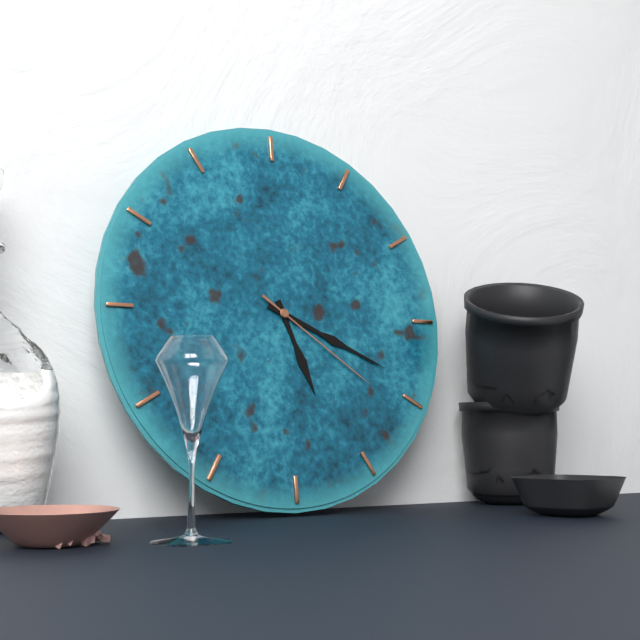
**5:19:21**
